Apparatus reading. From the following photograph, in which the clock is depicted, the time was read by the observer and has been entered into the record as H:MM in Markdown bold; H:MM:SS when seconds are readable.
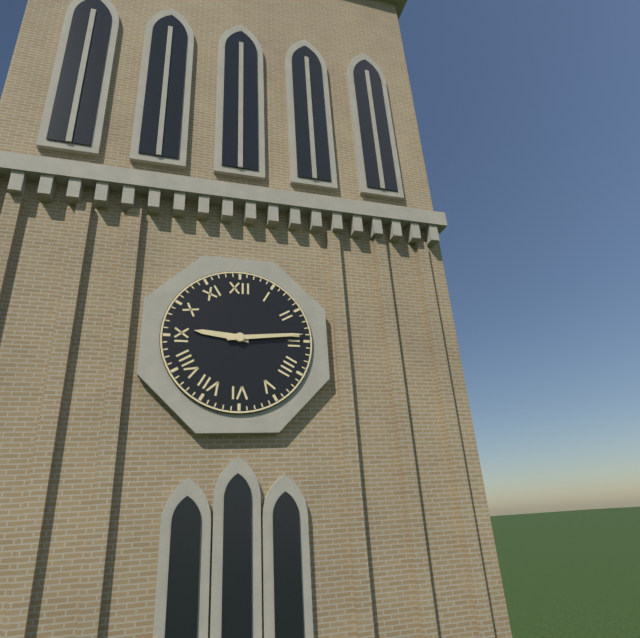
**9:14**
